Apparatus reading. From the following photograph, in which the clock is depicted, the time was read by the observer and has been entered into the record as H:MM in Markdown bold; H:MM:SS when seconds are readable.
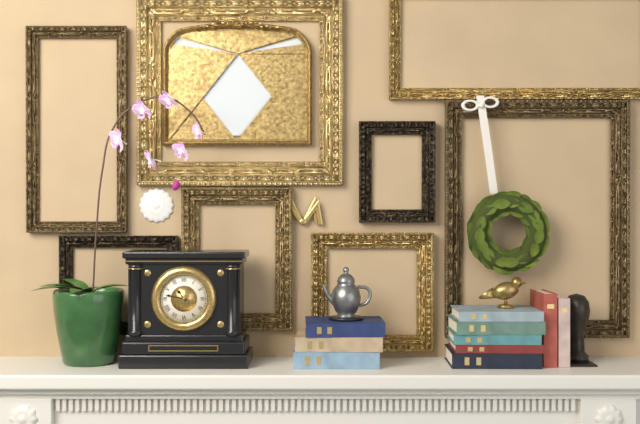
**10:47**
